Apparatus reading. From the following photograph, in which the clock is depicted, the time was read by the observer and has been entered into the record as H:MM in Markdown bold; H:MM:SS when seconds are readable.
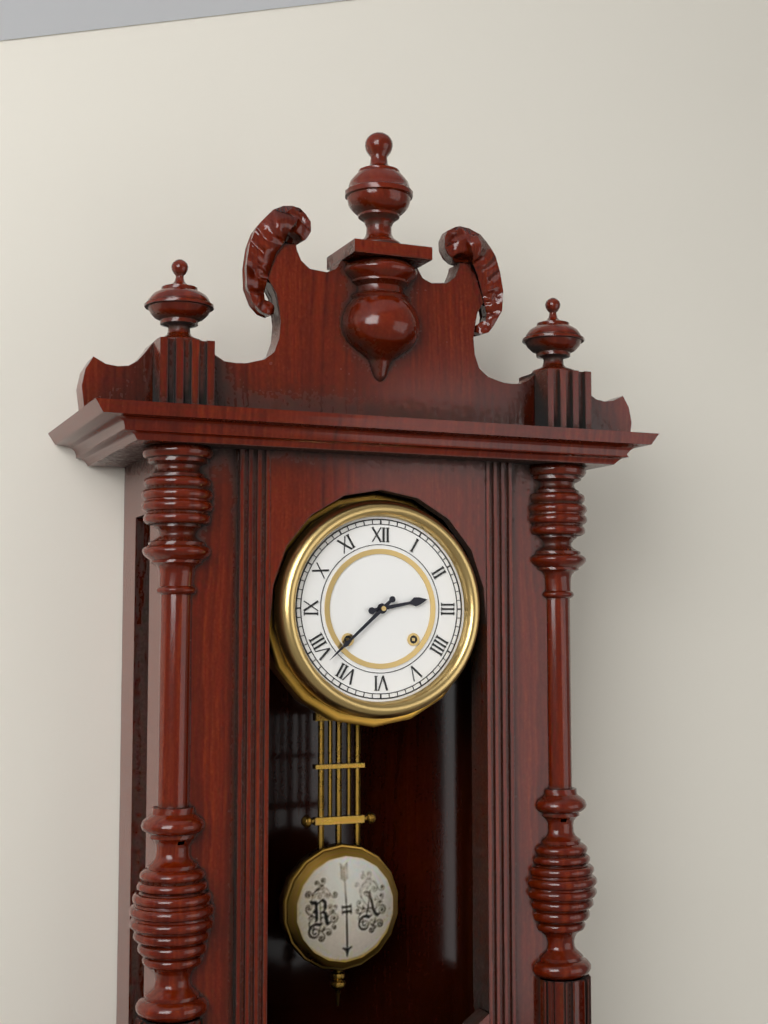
**2:38**
